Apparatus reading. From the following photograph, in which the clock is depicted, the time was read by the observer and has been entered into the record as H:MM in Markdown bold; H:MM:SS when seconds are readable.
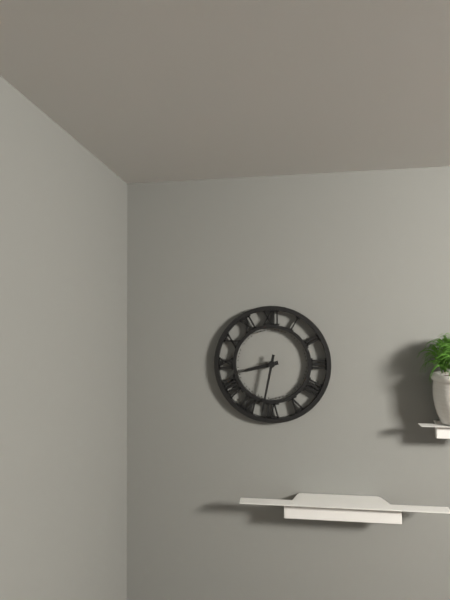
**8:32**
